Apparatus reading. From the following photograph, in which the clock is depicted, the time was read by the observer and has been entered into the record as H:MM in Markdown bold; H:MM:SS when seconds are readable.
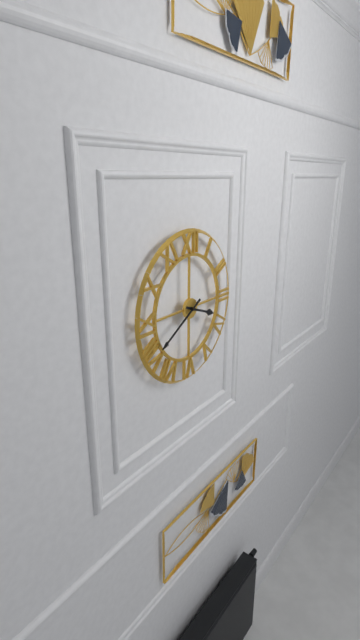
**3:40**
